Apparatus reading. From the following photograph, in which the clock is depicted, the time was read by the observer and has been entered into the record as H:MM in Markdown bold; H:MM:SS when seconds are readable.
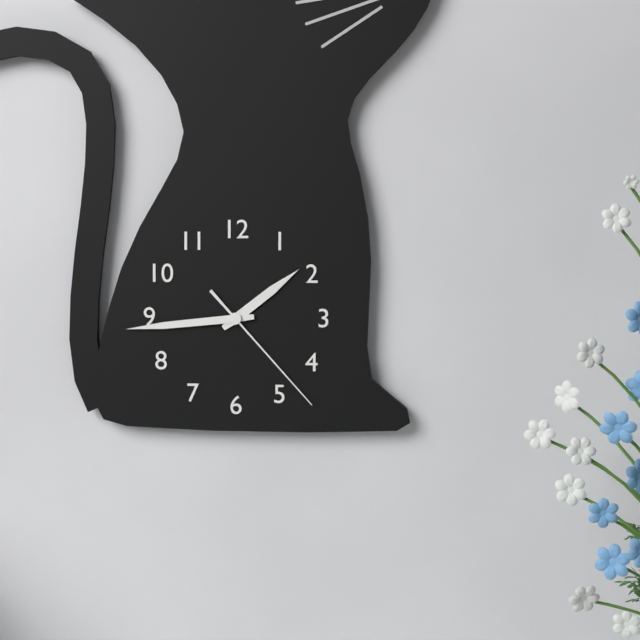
**1:44:23**
